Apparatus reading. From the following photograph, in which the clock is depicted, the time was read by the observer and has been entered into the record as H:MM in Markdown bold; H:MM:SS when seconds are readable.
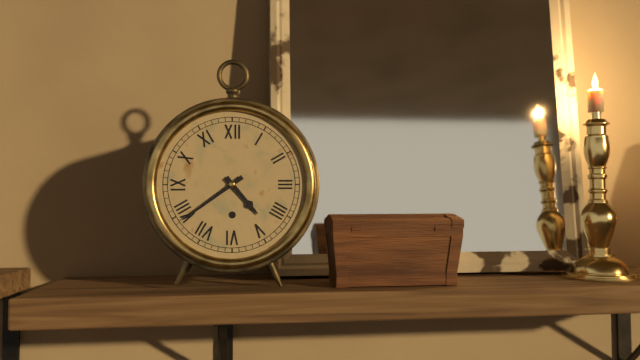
**4:39**
